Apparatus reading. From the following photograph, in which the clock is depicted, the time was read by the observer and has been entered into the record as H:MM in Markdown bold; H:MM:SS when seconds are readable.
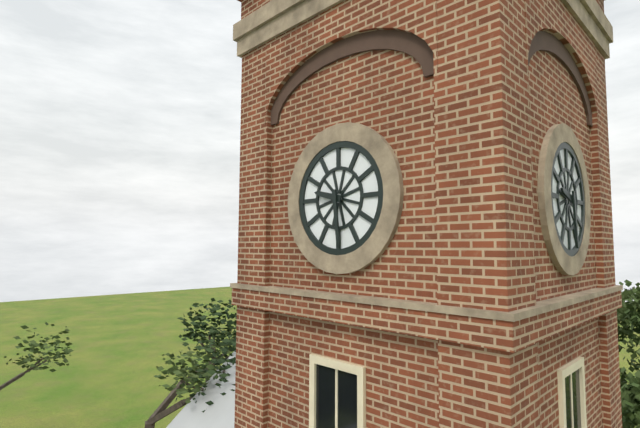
**9:29**
